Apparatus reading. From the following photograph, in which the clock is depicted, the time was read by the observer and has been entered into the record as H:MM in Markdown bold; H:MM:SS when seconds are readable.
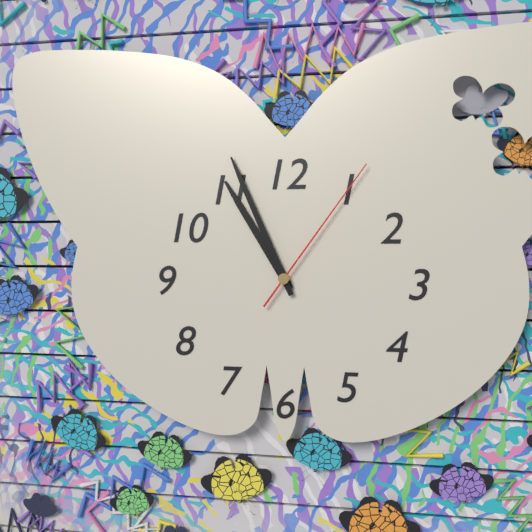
**10:56:06**
